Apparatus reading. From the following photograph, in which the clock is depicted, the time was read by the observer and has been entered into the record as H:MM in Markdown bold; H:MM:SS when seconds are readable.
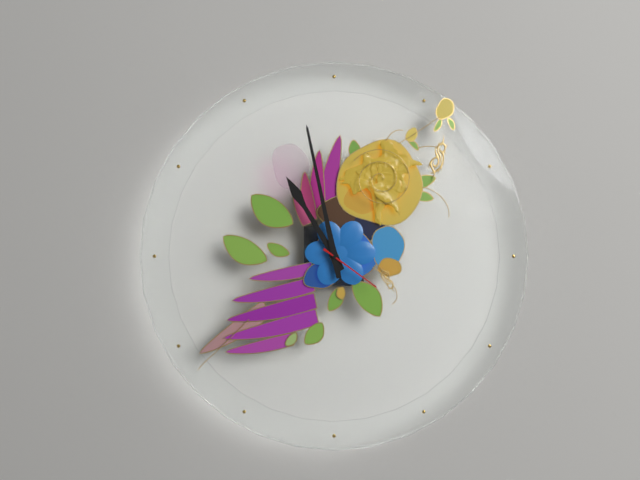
**10:58:21**
